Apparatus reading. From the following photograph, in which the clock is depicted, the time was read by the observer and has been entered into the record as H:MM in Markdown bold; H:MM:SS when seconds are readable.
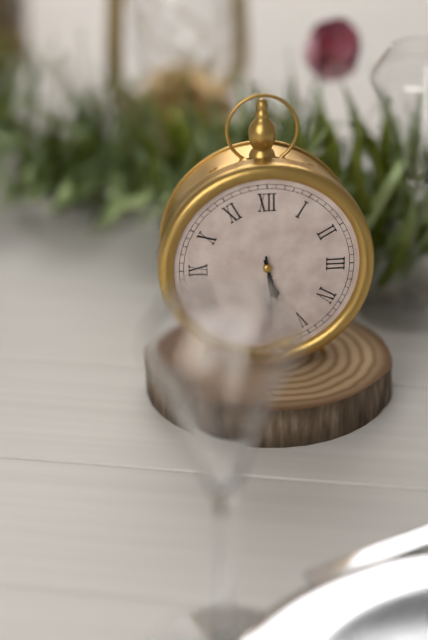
**5:29**
